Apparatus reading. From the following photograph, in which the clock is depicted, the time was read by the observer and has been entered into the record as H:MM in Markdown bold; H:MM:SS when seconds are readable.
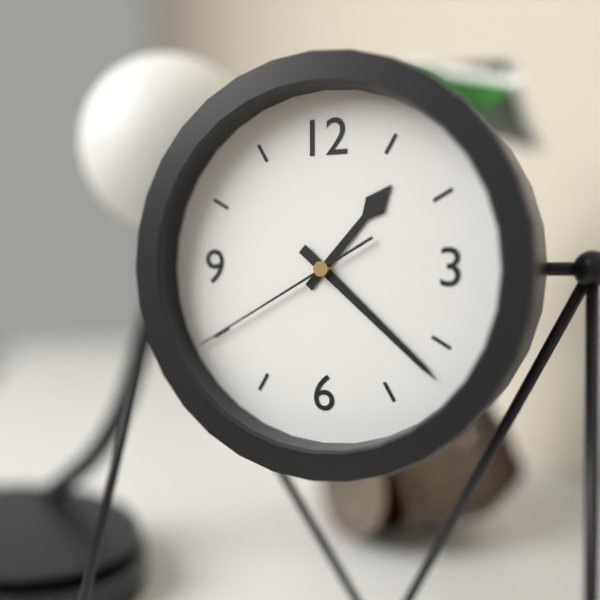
**1:22:40**
